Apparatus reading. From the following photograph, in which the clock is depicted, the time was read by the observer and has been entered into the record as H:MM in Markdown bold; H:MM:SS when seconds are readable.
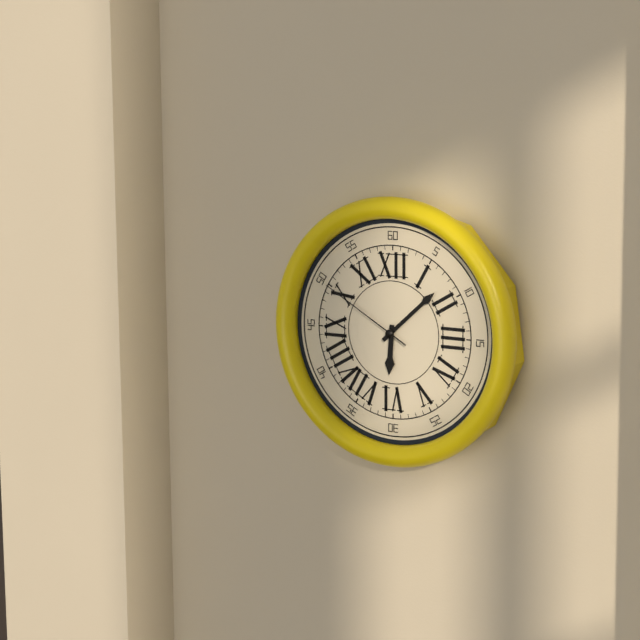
**6:08:50**
